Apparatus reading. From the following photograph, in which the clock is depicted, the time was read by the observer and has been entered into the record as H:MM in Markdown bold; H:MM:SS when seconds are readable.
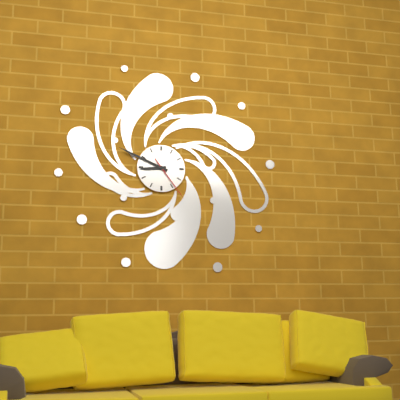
**8:49**
